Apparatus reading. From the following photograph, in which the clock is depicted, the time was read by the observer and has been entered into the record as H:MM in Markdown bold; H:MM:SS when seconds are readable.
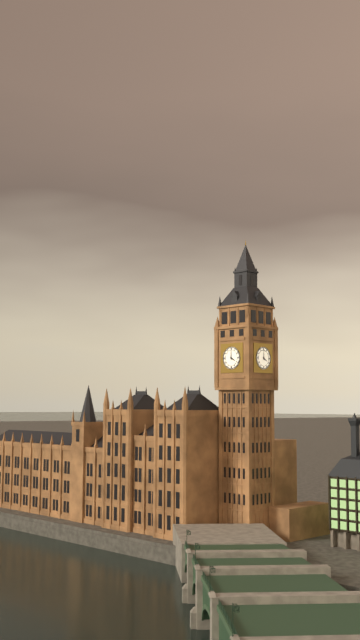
**4:00**
